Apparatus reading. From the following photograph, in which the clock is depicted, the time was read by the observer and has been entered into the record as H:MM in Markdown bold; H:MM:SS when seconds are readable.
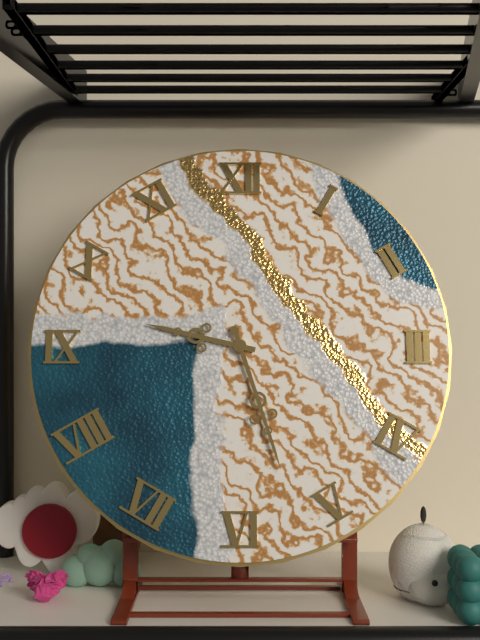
**9:27**
